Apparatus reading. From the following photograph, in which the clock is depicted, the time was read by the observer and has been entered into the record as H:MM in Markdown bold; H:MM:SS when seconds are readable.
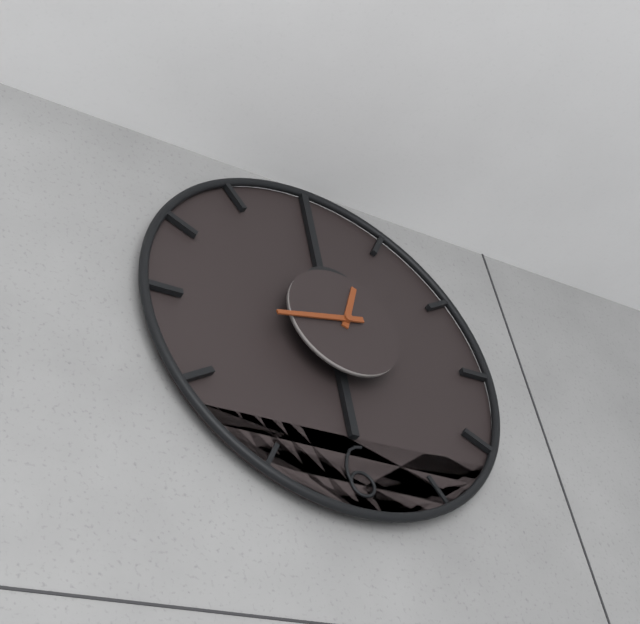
**12:43**
